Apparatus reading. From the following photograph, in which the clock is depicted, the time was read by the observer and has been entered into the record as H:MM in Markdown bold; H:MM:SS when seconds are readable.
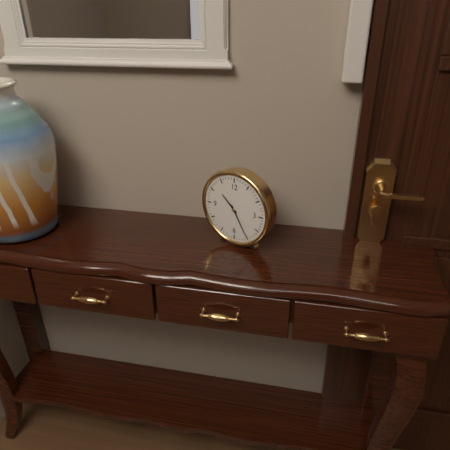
**10:25**
